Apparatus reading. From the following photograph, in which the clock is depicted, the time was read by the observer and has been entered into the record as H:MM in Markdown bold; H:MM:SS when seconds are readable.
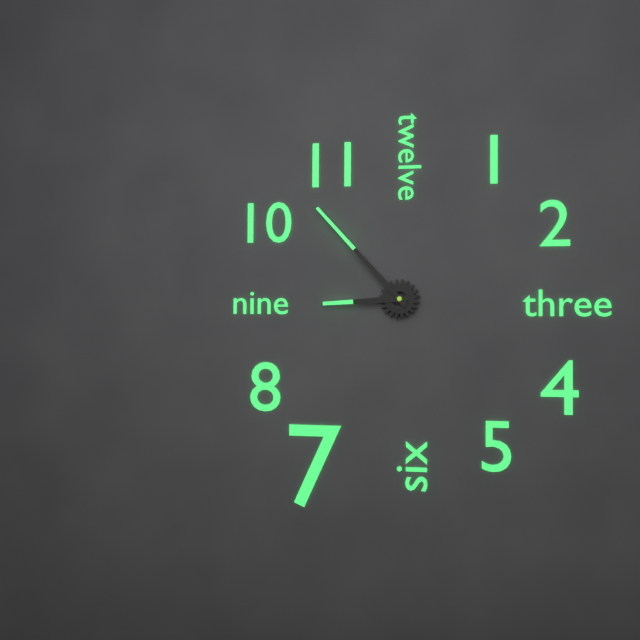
**8:53**
